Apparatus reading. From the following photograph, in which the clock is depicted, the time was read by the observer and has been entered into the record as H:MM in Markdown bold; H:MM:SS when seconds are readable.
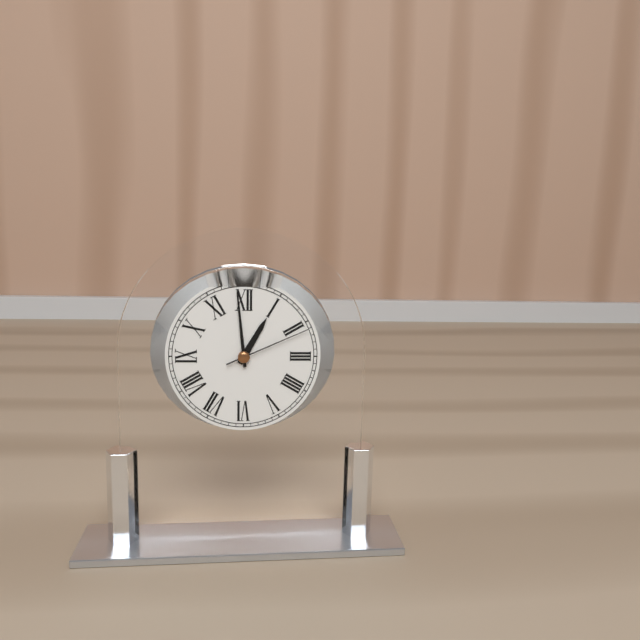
**12:59:11**
